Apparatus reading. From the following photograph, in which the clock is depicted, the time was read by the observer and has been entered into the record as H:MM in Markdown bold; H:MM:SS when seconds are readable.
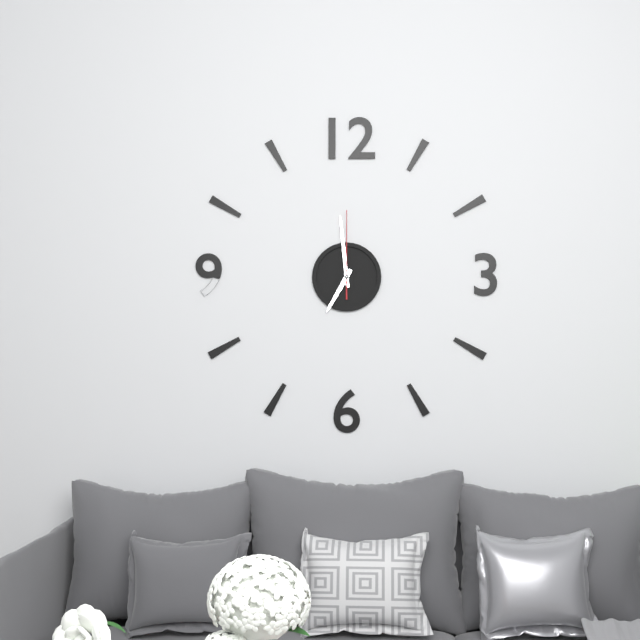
**6:59:00**
